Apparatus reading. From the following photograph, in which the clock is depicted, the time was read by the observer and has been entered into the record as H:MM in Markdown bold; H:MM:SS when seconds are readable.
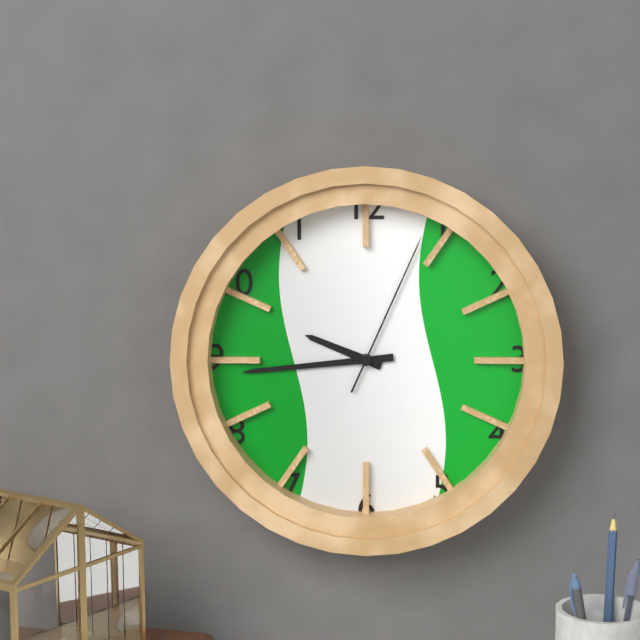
**9:44:04**
